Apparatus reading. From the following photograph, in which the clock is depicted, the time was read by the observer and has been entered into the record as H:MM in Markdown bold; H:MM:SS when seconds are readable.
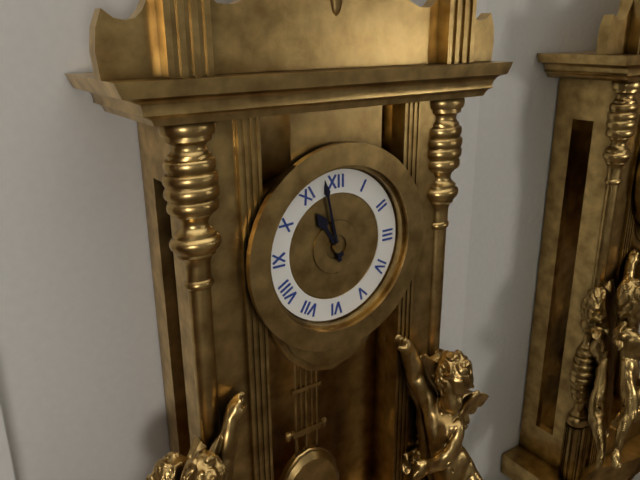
**10:58**
